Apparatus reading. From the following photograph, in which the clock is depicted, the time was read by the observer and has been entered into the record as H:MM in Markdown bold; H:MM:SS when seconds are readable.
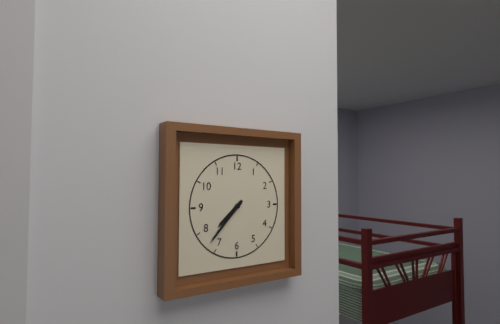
**7:37**
